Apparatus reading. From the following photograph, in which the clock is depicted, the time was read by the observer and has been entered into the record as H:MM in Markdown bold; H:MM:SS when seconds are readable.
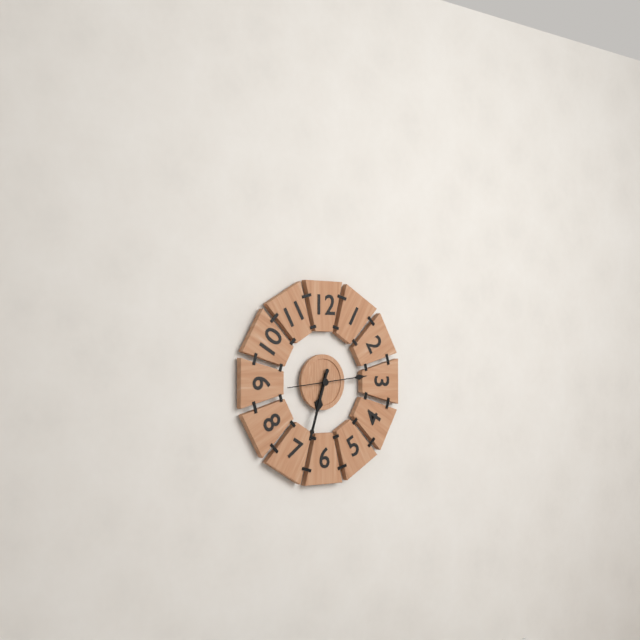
**6:33:14**
